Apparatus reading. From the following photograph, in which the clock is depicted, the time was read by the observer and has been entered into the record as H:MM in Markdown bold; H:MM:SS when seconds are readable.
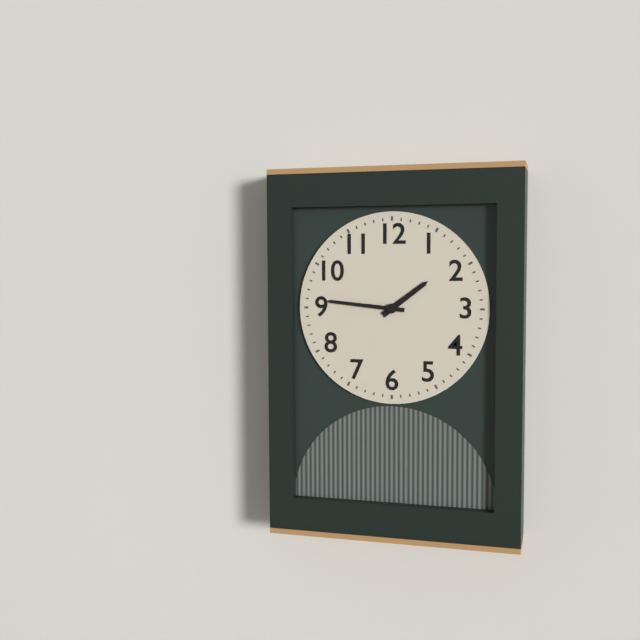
**1:46**
